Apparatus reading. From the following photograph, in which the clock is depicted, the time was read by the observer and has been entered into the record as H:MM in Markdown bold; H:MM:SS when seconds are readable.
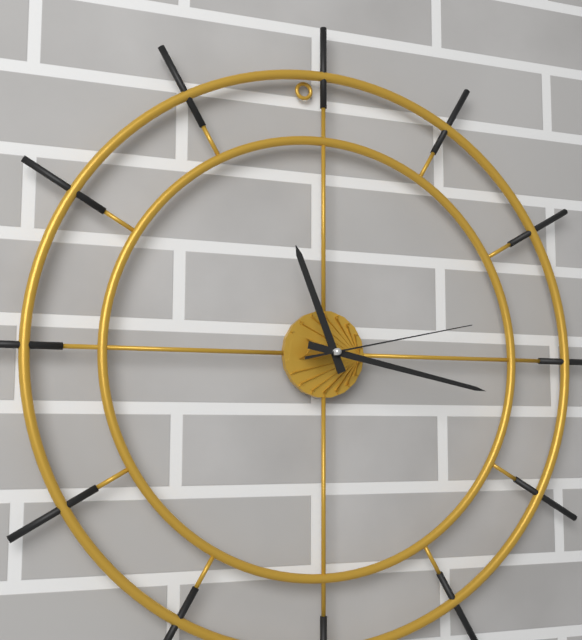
**11:17:13**
